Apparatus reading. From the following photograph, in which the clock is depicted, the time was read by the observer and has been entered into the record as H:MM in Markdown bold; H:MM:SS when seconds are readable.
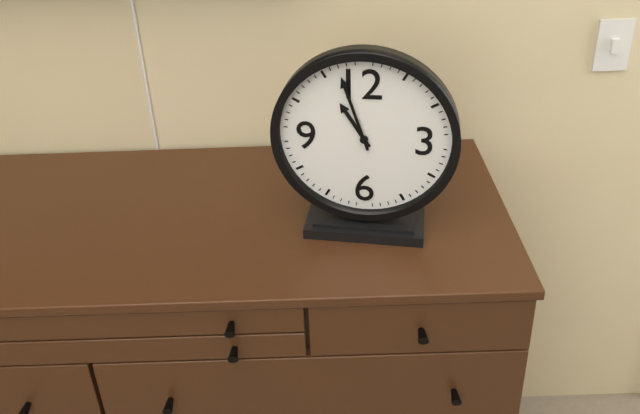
**10:57**
